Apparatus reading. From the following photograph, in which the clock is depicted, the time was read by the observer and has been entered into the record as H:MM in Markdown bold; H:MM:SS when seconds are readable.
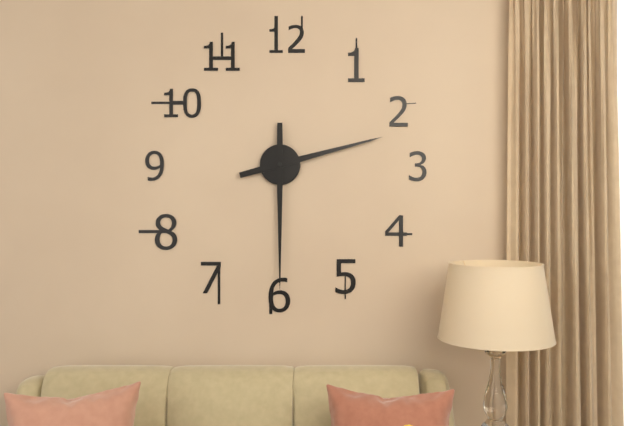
**2:30**
